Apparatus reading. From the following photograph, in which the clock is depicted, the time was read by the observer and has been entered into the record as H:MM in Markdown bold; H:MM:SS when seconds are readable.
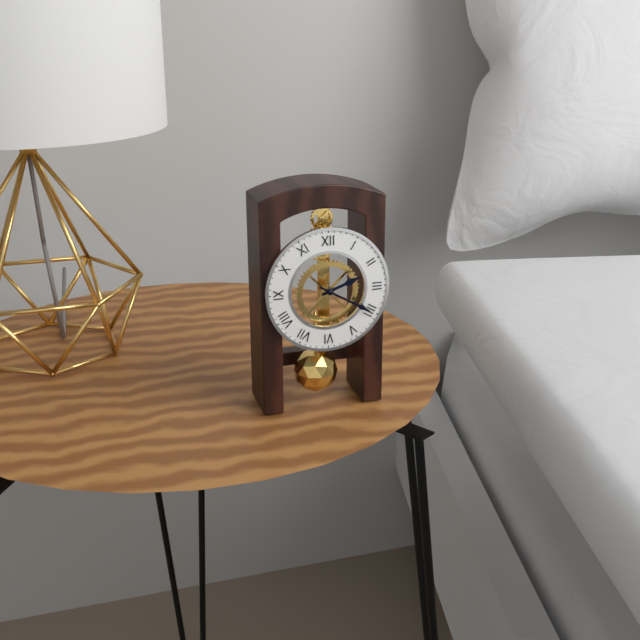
**2:20**
